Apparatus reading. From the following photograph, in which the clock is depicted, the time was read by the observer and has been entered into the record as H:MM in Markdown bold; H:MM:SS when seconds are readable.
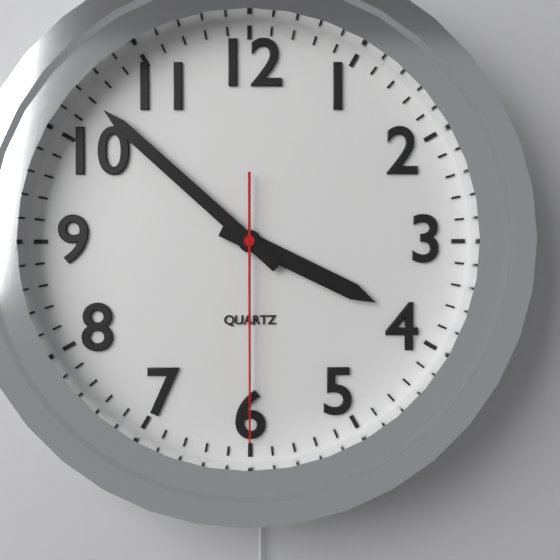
**3:52:30**
